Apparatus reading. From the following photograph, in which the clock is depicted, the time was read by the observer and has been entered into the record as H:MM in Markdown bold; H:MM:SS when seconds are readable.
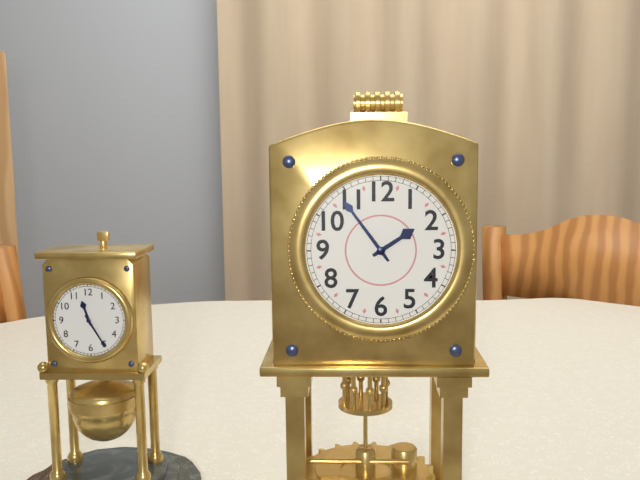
**1:54**
